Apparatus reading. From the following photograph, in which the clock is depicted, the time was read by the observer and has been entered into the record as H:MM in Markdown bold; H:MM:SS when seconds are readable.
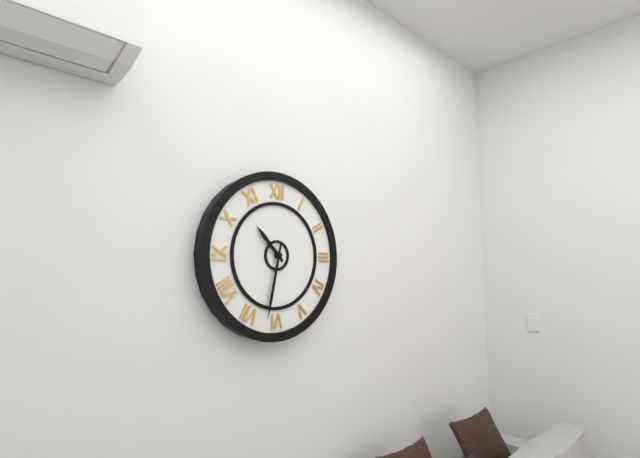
**10:32**
